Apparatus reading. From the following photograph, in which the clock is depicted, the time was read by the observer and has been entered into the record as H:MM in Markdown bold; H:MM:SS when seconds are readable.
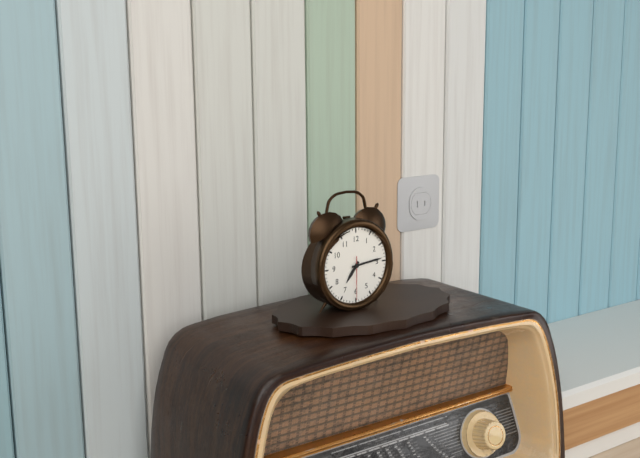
**7:14**
